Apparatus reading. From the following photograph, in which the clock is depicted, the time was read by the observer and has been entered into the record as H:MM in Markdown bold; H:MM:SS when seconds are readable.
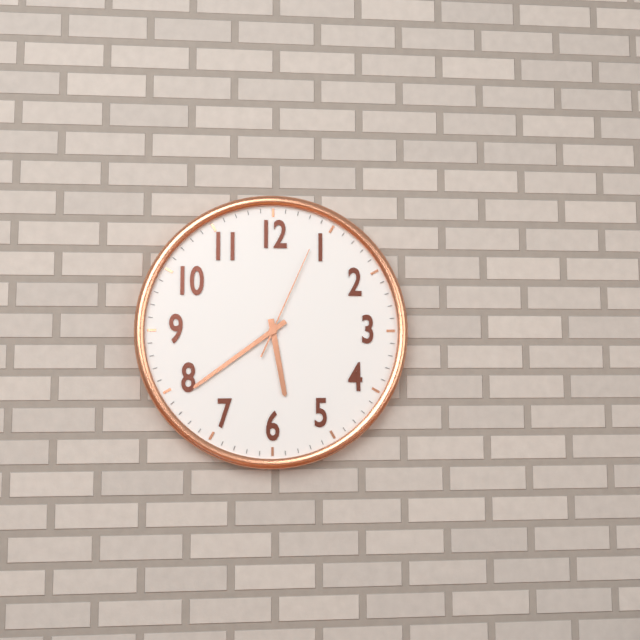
**5:39:04**
